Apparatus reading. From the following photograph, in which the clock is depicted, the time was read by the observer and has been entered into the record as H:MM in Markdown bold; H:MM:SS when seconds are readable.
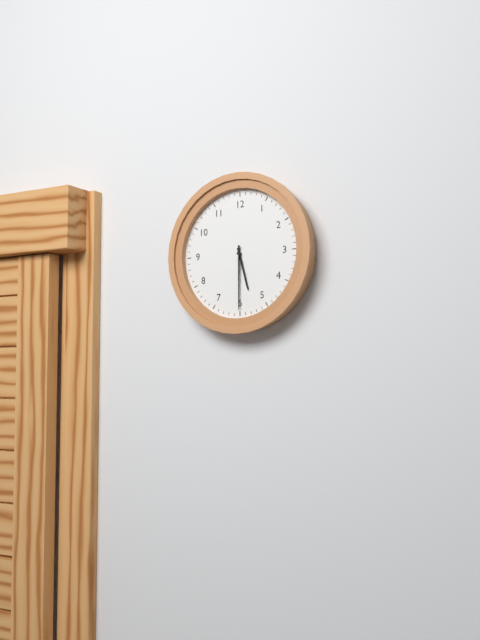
**5:30**
